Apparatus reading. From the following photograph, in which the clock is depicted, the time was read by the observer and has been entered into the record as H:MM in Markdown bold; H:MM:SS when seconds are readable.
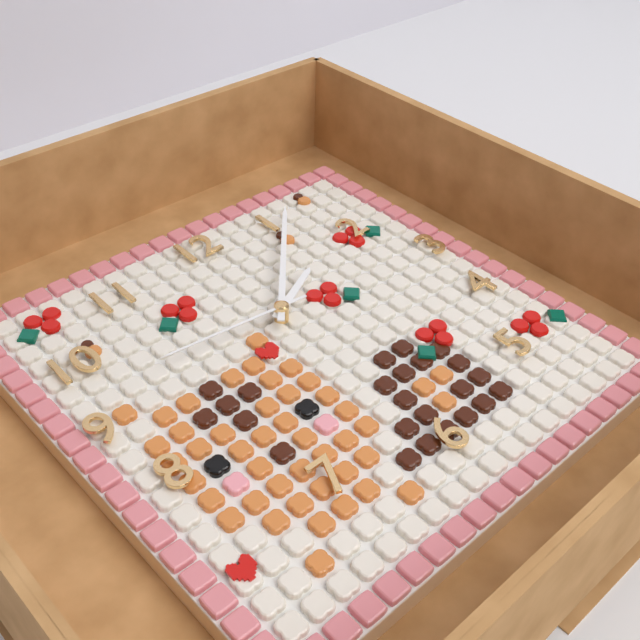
**2:07:46**
